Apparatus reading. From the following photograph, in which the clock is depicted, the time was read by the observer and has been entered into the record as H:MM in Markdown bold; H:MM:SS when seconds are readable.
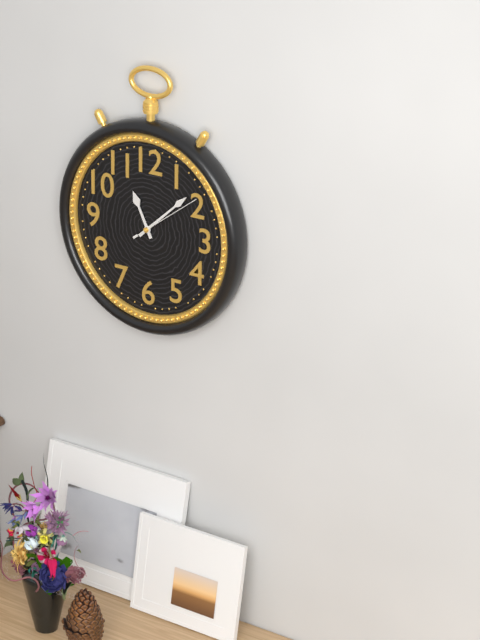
**11:08:09**
